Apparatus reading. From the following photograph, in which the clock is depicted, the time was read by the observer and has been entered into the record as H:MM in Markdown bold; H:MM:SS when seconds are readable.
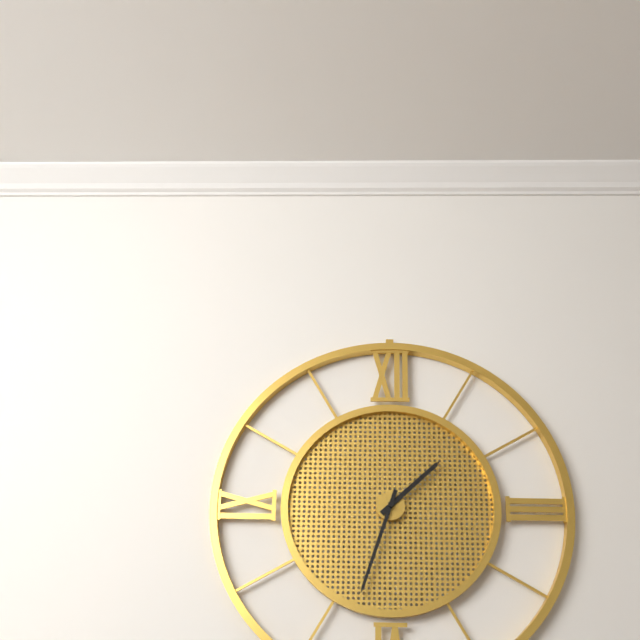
**1:33**
